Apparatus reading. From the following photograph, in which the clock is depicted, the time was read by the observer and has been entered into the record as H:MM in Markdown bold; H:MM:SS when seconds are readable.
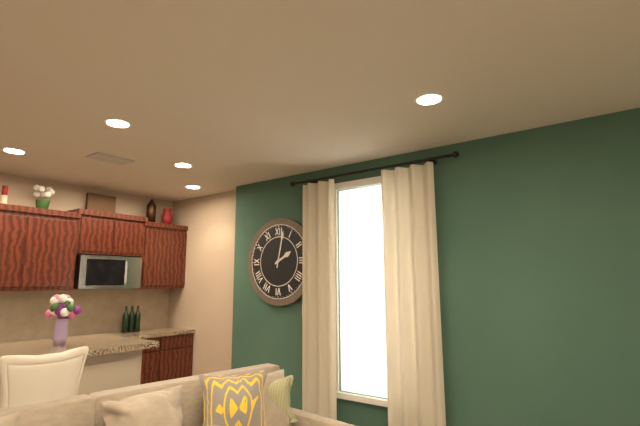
**2:02**
